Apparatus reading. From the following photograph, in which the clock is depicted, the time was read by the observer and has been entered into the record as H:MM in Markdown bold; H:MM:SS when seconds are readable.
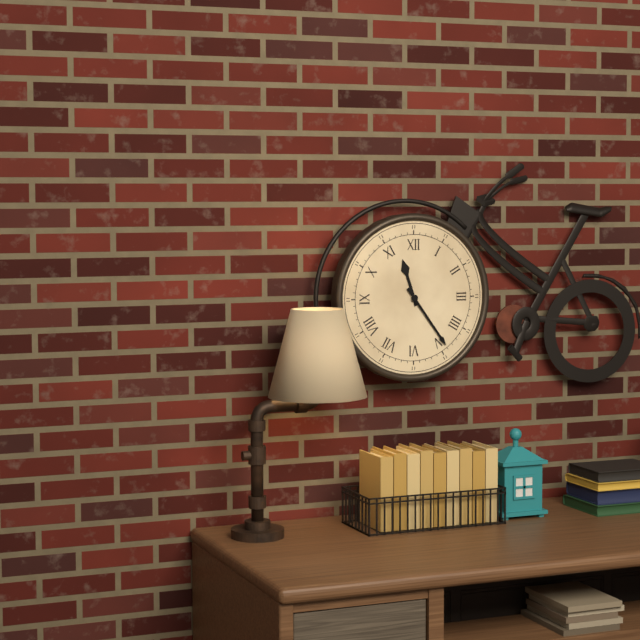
**11:24**
